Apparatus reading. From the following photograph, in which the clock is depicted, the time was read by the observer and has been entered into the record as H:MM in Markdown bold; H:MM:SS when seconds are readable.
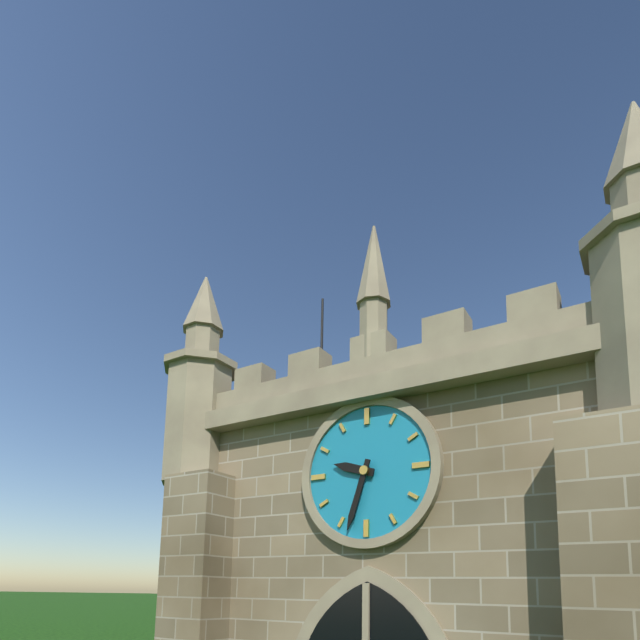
**9:33**
